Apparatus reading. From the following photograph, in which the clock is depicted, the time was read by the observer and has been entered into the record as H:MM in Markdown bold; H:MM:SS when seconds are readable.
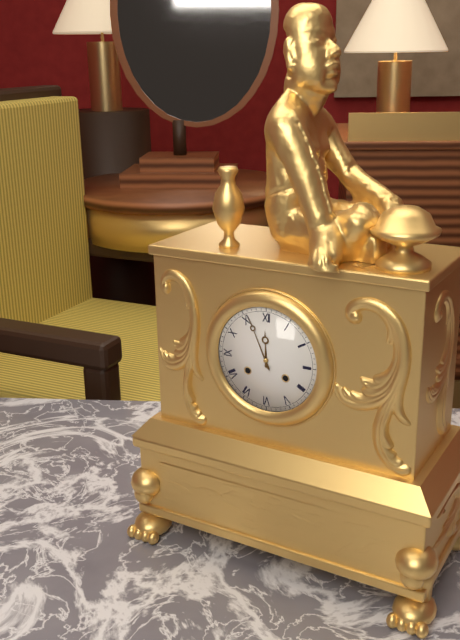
**11:56**
